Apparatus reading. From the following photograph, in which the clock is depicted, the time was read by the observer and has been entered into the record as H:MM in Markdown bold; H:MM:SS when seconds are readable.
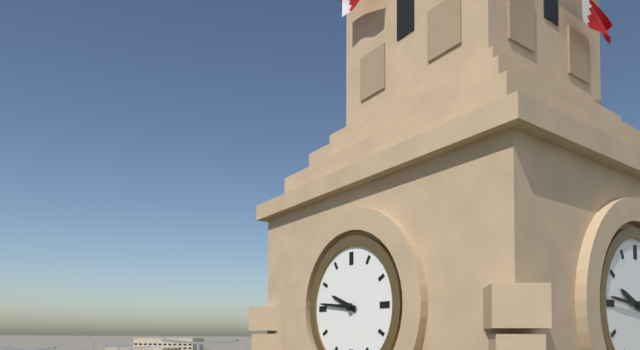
**9:46**
